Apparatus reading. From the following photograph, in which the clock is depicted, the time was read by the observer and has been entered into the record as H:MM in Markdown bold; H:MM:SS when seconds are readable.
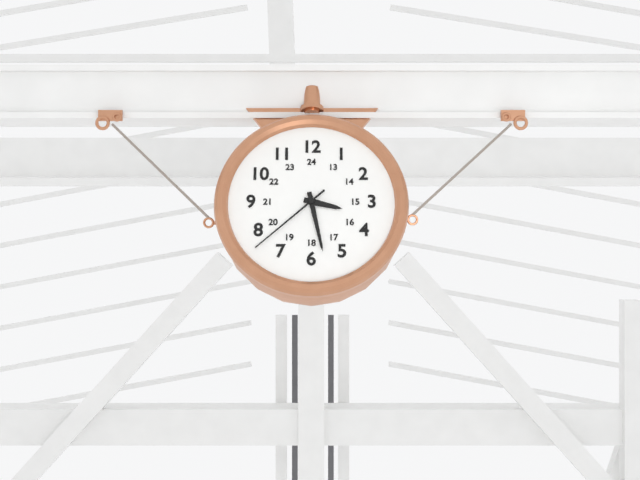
**3:28:38**
